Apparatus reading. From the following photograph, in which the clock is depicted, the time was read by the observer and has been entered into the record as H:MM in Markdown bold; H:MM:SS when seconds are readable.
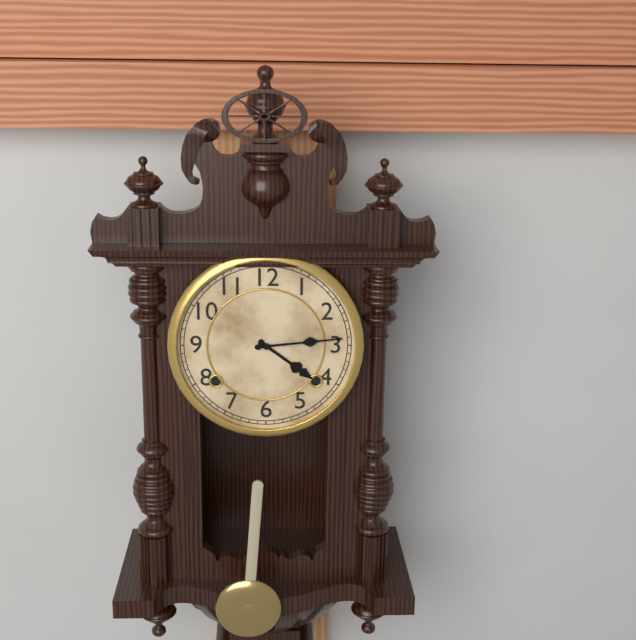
**4:14**
